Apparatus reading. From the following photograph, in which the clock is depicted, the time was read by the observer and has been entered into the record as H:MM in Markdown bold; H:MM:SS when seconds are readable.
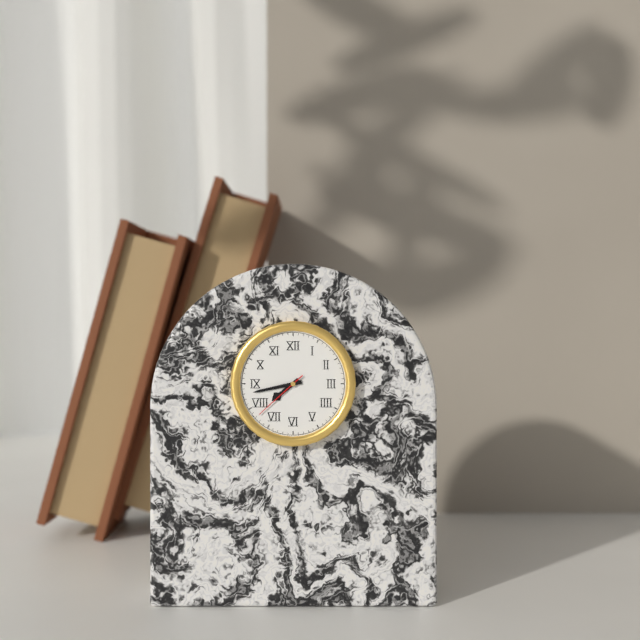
**7:43:38**
